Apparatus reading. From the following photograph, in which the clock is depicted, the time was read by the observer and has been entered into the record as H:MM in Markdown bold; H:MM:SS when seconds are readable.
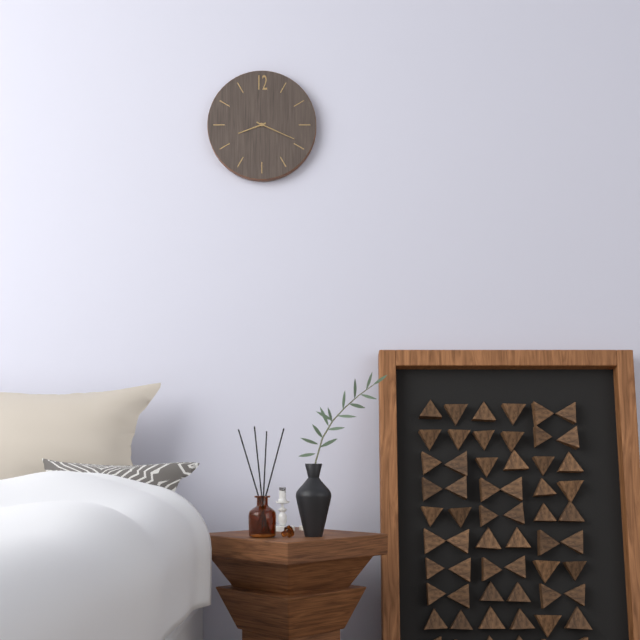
**8:19**
